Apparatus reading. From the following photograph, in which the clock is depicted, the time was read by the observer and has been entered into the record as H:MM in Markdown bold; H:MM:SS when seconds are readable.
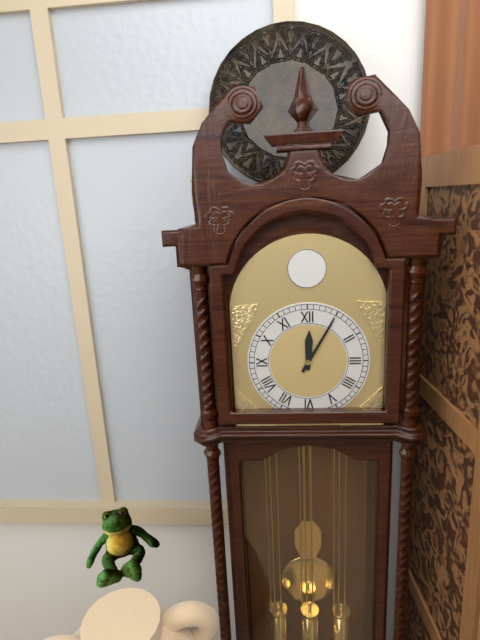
**12:05**
